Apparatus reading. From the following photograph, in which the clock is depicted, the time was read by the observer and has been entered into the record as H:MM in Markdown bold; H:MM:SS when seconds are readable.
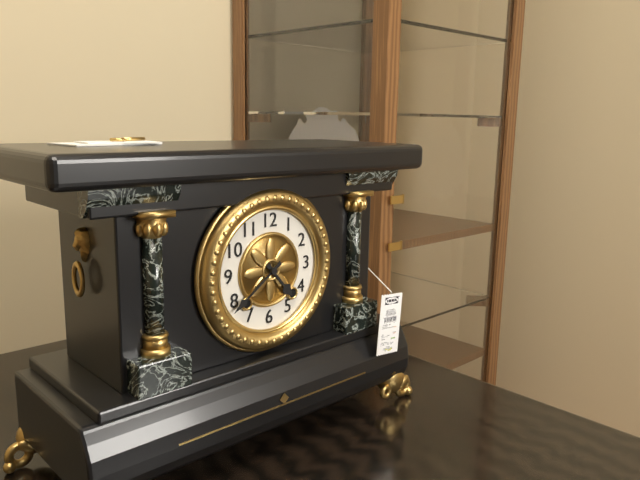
**4:39**
